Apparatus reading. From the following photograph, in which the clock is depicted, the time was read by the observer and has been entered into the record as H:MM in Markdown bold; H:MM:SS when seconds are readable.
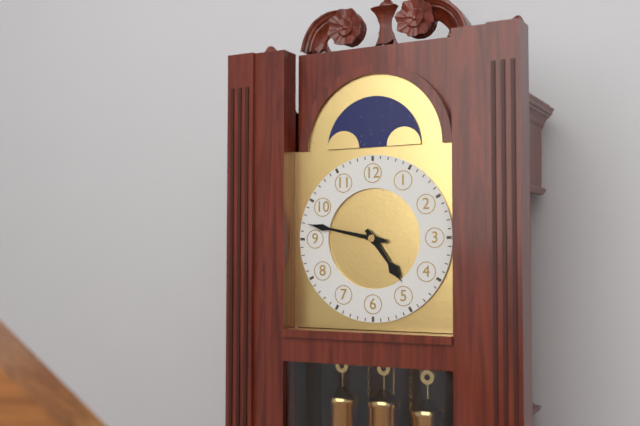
**4:47**
